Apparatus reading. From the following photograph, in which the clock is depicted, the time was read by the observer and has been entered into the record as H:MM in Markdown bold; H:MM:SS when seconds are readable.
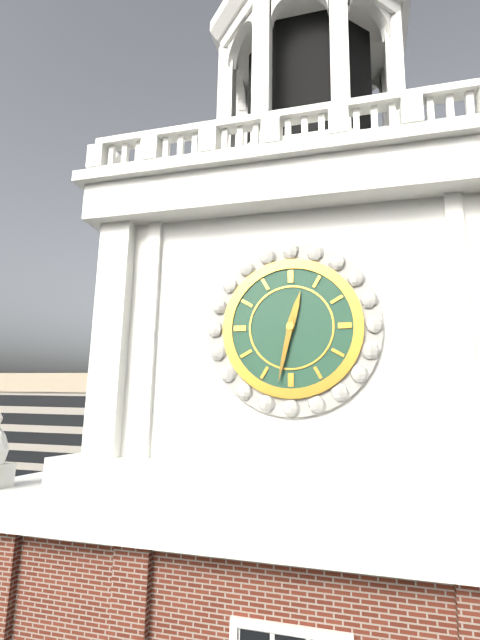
**12:32**
